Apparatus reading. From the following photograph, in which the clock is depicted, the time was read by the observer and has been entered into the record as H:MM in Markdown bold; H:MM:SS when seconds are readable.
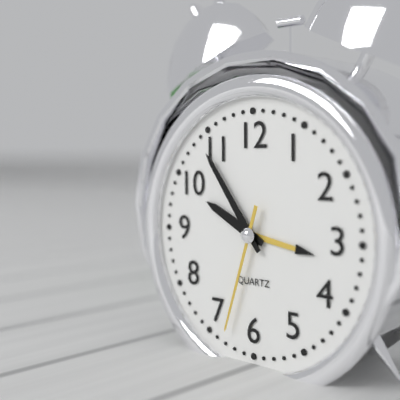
**9:54:33**
